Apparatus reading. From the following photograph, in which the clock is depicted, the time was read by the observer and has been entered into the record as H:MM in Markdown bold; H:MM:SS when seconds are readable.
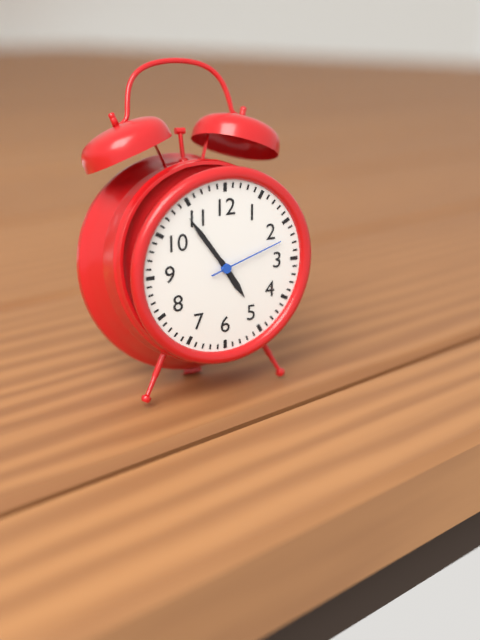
**4:54:12**
